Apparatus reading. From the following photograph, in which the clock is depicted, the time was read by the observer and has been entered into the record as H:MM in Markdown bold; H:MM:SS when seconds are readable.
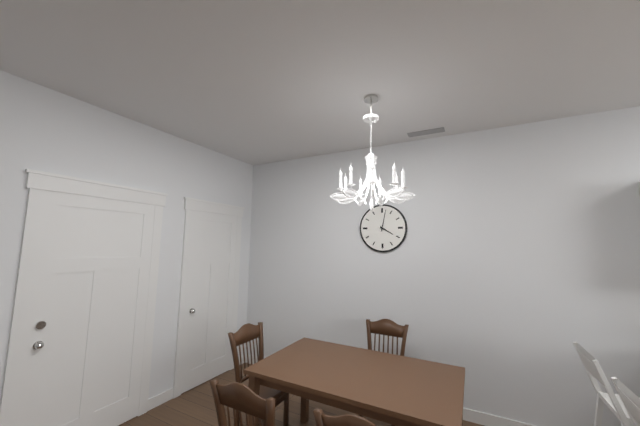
**4:02**
